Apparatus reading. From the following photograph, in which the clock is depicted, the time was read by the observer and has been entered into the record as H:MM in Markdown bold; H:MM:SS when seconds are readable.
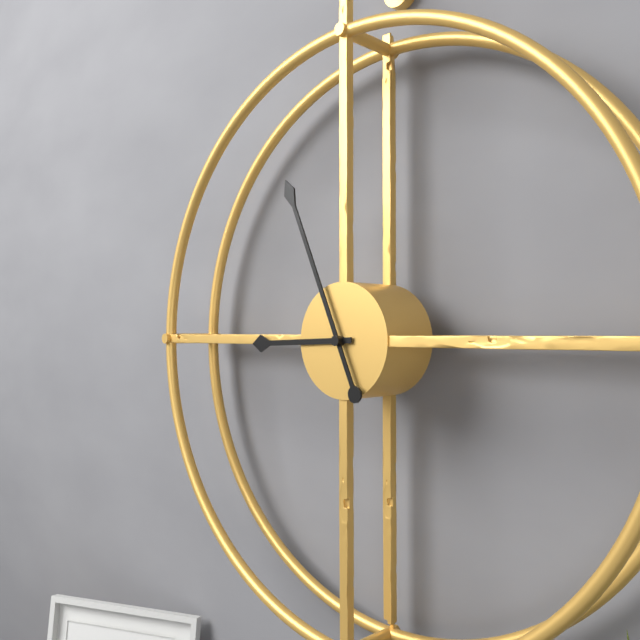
**8:56**
